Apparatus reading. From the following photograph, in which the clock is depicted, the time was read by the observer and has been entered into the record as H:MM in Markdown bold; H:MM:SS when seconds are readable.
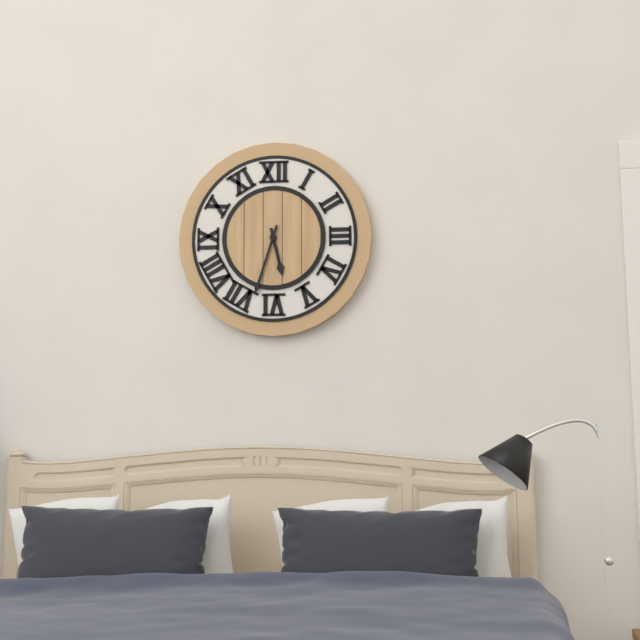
**5:33**
